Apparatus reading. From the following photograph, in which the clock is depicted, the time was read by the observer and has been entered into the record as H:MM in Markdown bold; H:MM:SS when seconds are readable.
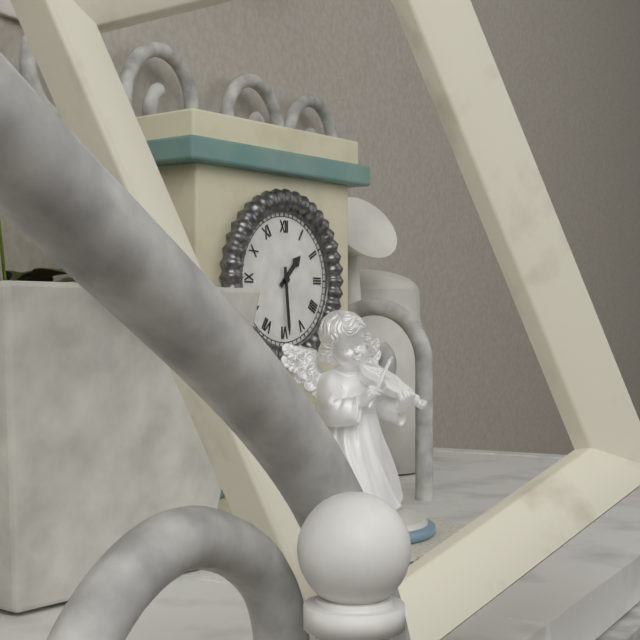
**1:29**
